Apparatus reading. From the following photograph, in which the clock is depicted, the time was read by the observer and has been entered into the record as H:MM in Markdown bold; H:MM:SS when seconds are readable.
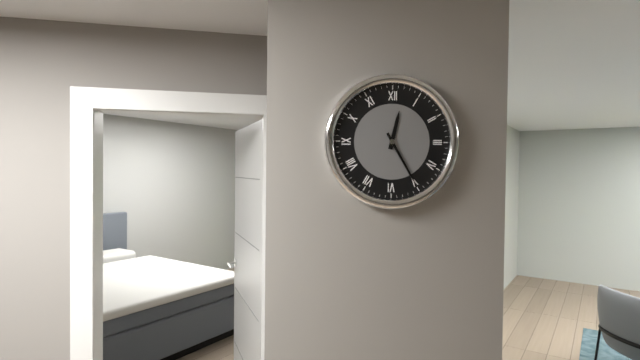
**12:25**
